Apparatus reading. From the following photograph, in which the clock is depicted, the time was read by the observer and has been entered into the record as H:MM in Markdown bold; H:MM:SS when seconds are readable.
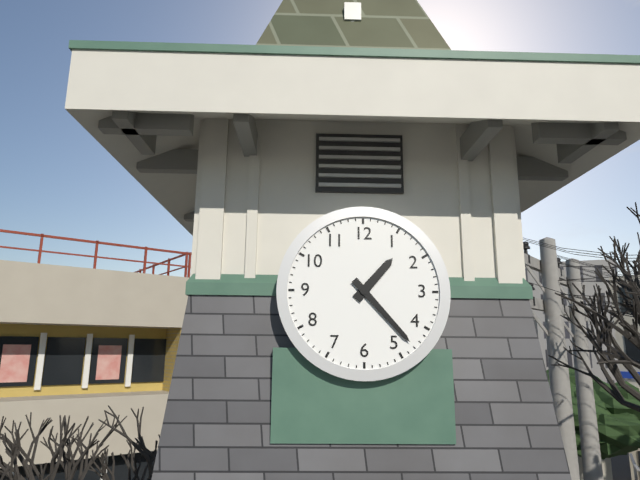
**1:23**
